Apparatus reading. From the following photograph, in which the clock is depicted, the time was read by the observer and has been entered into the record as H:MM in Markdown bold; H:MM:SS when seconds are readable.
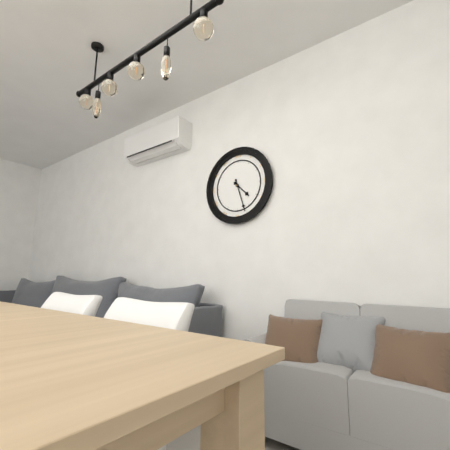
**4:27**
